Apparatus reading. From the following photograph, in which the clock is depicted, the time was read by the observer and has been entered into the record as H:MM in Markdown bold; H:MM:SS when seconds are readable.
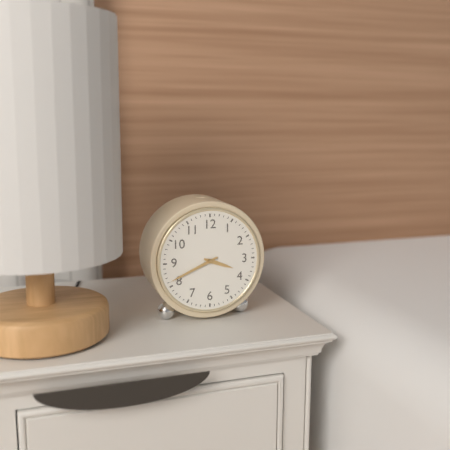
**3:41**
